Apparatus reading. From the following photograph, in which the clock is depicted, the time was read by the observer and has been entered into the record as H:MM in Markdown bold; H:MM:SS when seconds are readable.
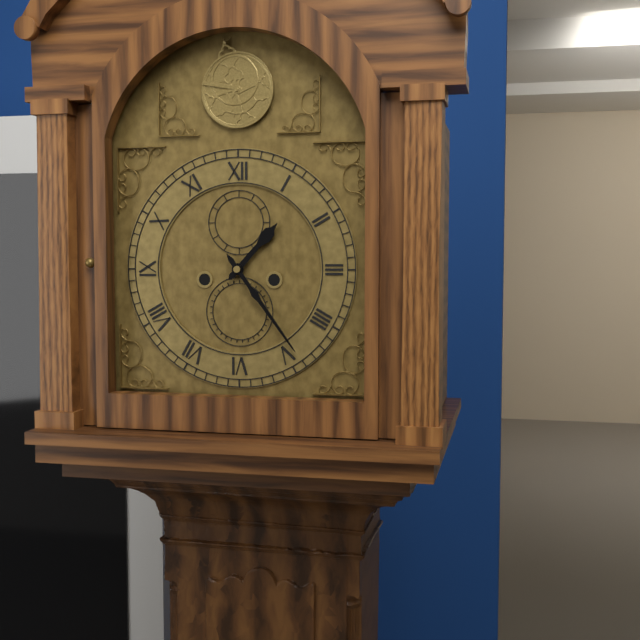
**1:24**
